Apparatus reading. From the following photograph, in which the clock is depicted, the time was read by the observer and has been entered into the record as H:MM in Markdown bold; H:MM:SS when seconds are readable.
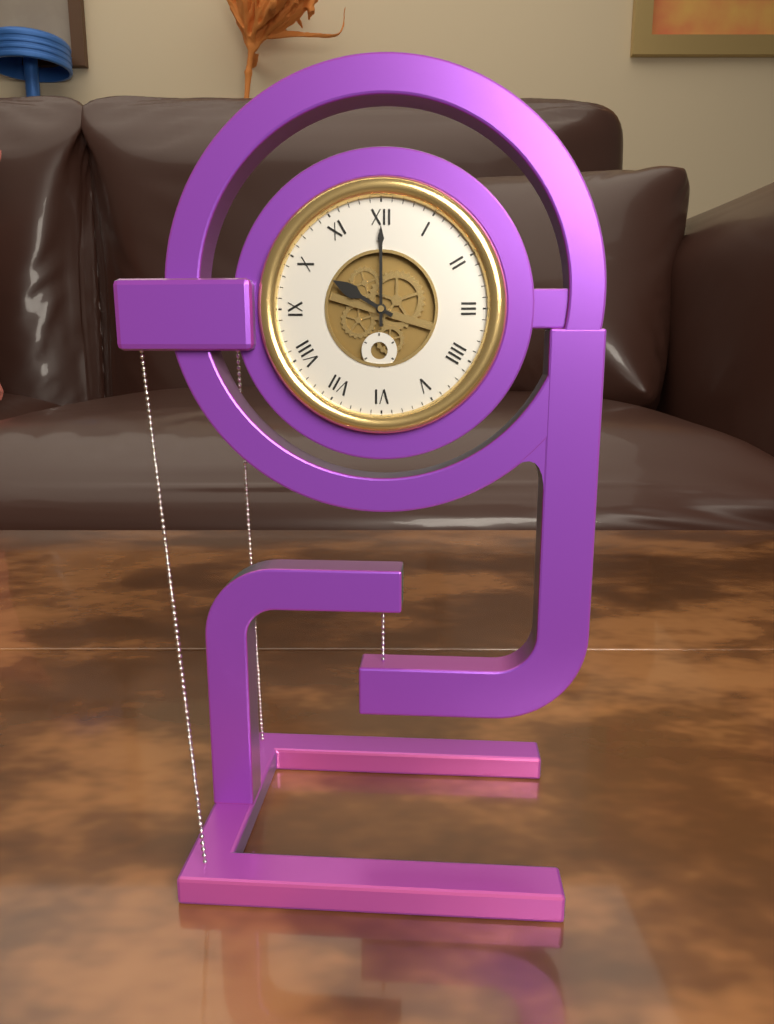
**10:00**
